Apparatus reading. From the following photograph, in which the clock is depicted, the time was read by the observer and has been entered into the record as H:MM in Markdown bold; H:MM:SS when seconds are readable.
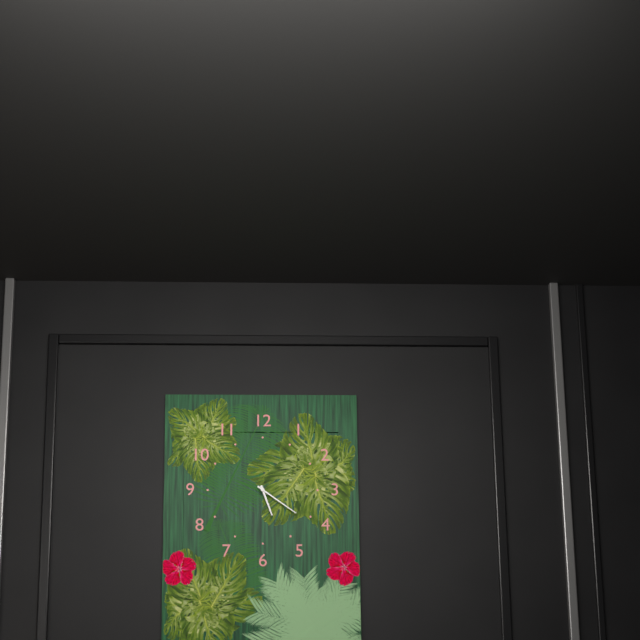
**5:21**
